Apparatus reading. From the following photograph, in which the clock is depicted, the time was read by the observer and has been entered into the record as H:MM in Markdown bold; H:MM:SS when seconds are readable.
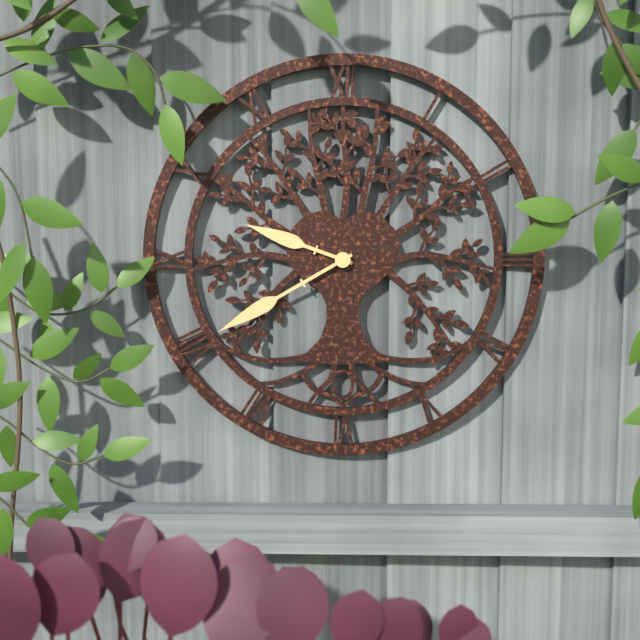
**9:40**
